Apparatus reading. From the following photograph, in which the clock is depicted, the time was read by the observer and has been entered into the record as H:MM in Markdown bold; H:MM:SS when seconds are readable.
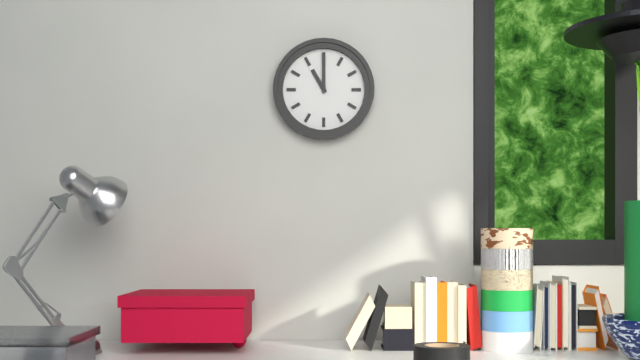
**11:00**
